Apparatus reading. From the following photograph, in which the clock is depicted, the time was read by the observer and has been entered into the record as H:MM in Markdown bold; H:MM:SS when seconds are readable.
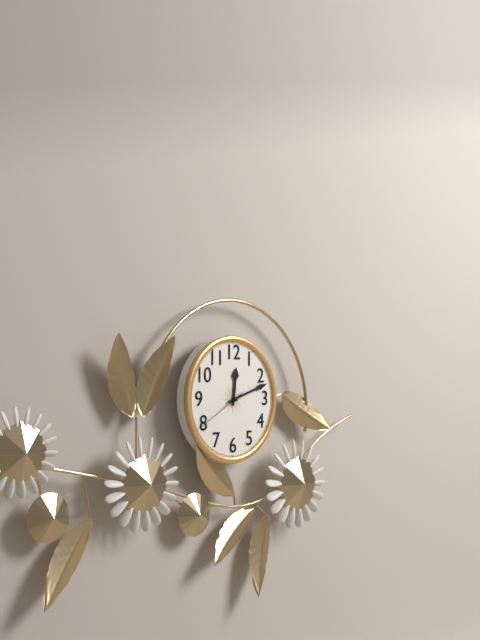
**12:12:40**
